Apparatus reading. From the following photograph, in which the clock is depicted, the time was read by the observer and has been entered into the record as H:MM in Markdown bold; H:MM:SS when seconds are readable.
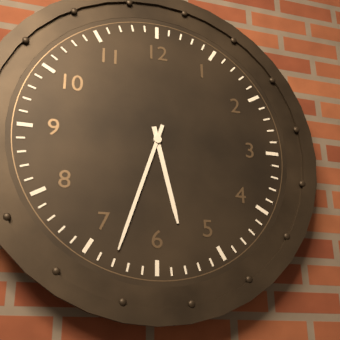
**5:33**
